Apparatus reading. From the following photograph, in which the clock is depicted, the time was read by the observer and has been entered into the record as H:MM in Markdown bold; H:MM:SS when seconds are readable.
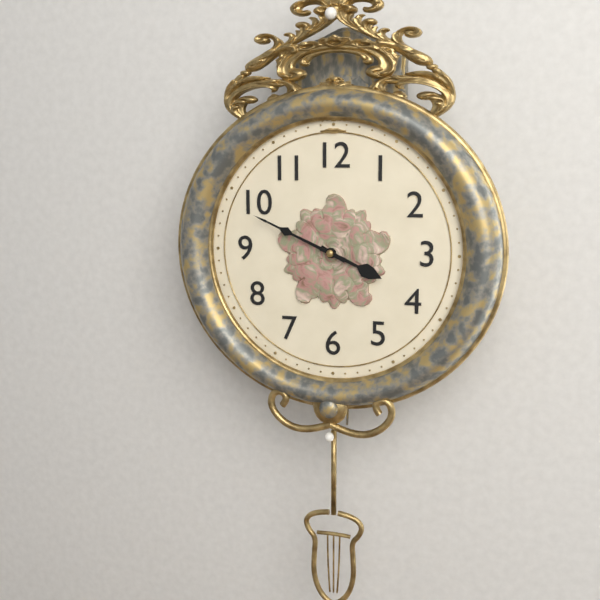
**3:49**
